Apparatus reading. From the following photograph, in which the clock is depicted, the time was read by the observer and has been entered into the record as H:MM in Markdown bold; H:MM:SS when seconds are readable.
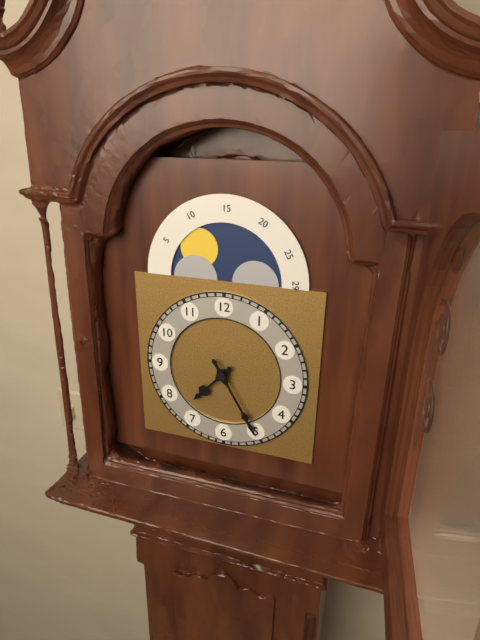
**7:25**
